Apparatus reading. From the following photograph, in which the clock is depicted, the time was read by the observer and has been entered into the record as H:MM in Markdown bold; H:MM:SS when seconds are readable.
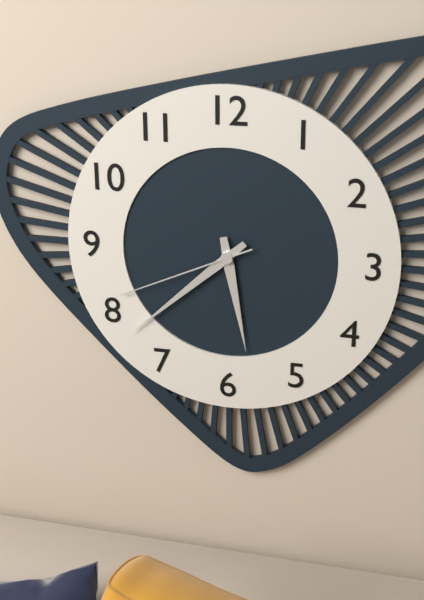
**5:38:41**
